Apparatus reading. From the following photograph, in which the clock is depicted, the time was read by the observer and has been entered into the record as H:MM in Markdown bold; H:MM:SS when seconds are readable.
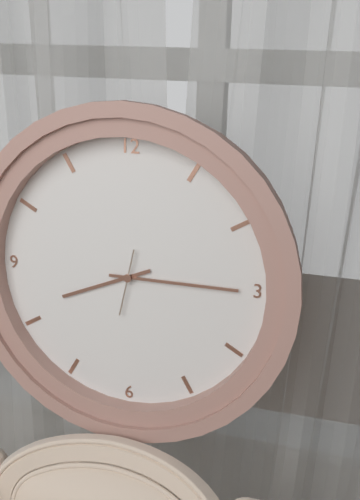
**8:15**
